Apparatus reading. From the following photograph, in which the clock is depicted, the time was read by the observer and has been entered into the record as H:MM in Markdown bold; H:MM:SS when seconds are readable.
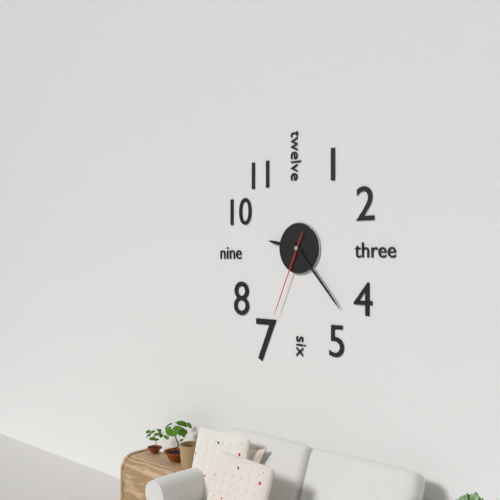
**9:23:34**
